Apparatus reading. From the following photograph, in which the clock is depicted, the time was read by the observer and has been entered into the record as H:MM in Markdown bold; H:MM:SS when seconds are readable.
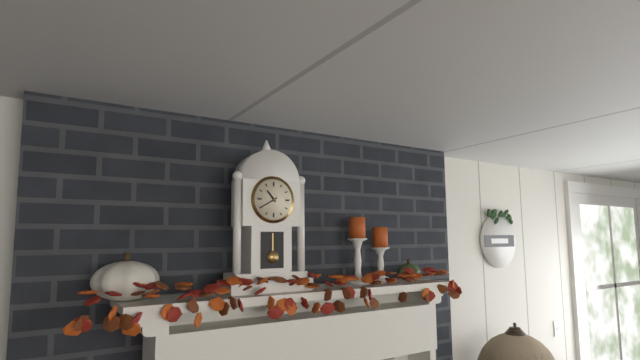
**10:40**
